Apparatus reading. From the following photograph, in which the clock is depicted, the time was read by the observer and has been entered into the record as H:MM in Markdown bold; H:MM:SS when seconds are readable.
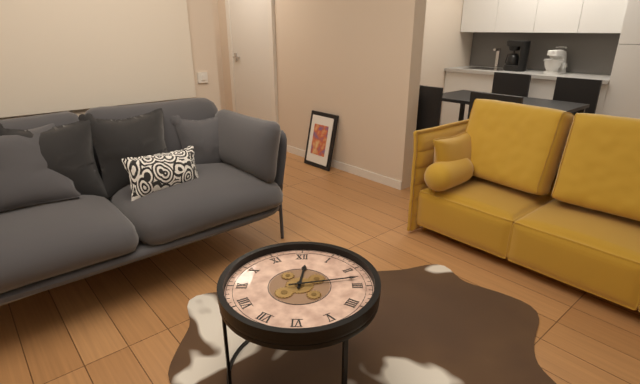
**12:13**
